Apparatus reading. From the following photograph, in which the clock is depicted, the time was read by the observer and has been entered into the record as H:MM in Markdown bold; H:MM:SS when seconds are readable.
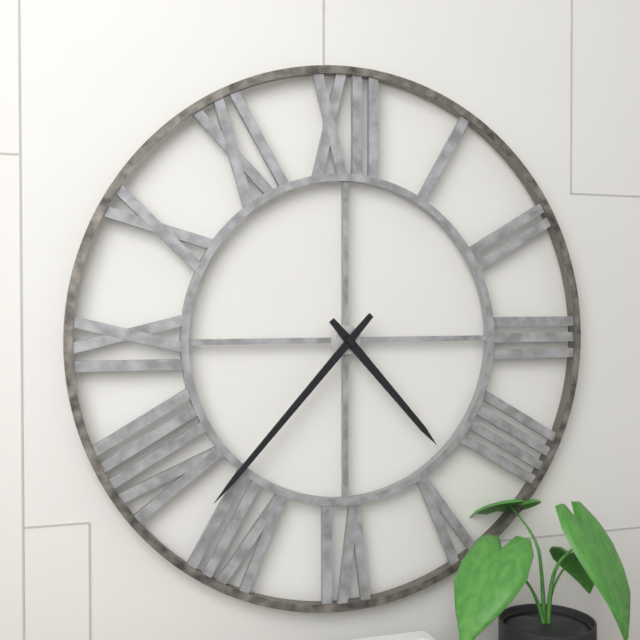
**4:37**
